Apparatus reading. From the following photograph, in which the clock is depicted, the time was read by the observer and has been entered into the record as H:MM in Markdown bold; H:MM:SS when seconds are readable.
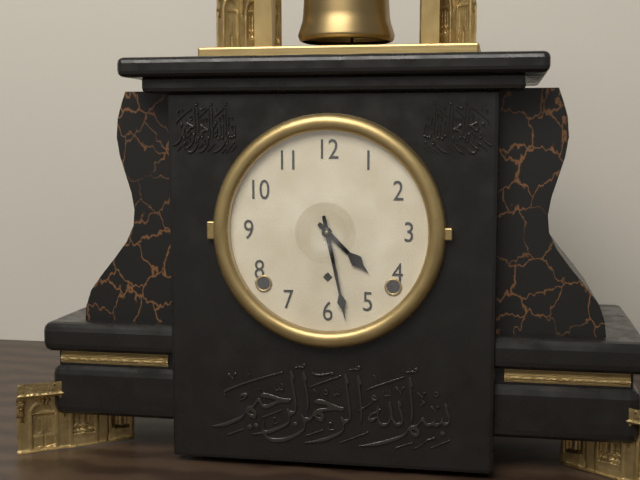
**4:28**
